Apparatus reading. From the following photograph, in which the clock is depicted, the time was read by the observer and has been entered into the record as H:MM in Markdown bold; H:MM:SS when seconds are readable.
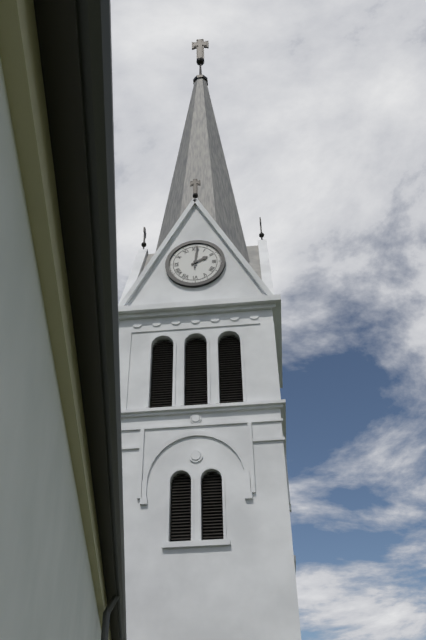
**2:01**
